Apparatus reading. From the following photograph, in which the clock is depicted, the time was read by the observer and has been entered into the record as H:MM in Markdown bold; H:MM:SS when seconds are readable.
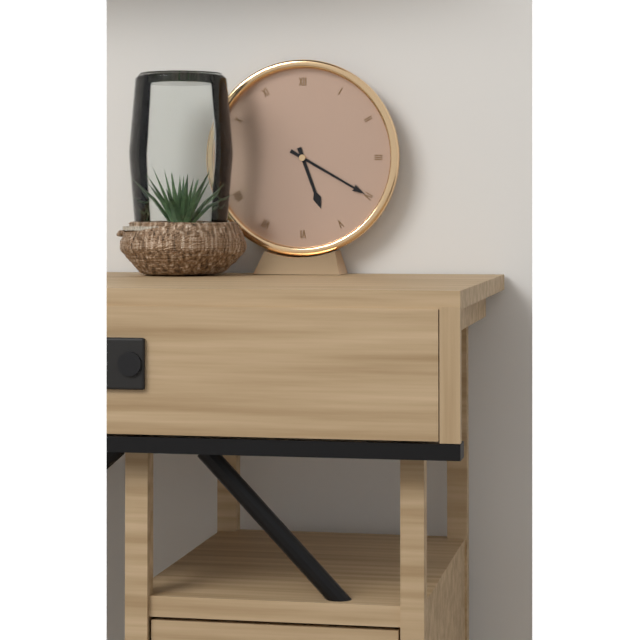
**5:20**
